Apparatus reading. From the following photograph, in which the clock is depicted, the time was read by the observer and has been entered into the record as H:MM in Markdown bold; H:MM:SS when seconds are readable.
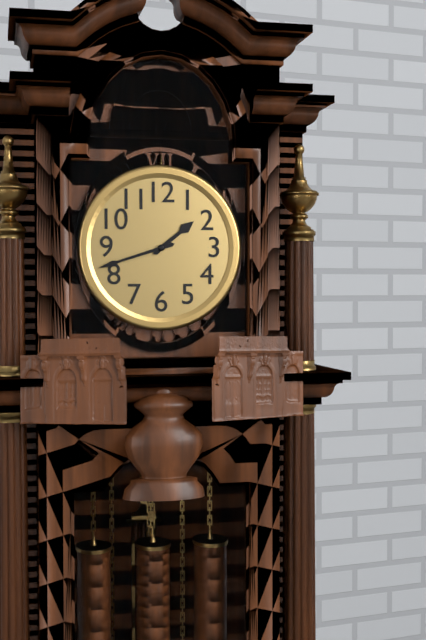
**1:42**
